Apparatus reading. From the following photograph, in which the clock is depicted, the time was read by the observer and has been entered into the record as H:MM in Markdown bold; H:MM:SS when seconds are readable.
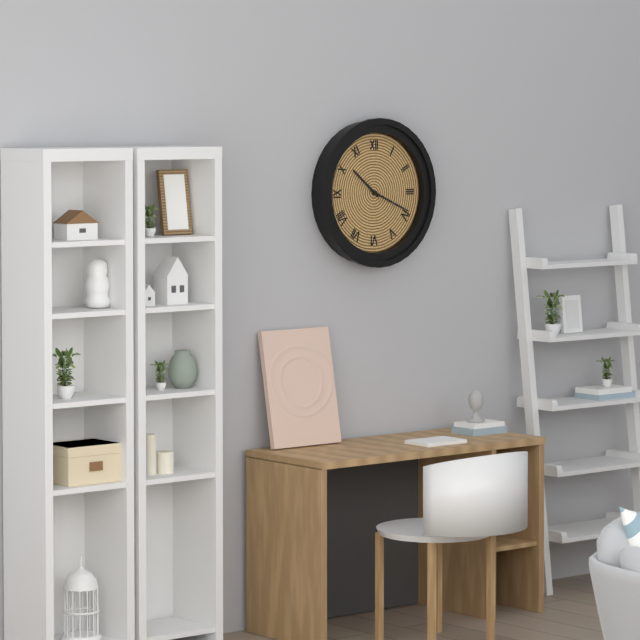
**10:19**
